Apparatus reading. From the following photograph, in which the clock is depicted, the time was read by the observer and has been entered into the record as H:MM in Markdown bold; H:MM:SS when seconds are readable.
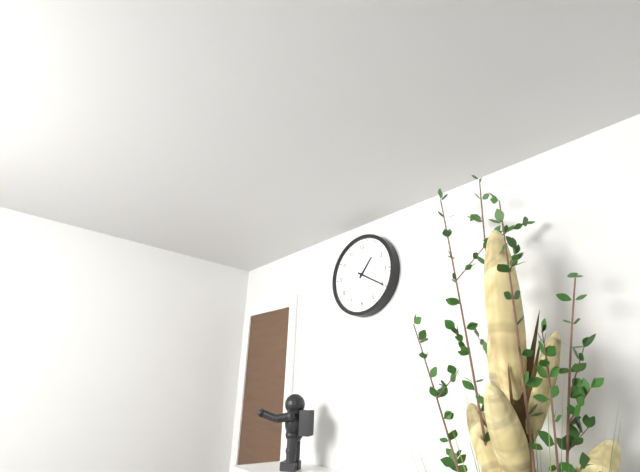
**1:20**
